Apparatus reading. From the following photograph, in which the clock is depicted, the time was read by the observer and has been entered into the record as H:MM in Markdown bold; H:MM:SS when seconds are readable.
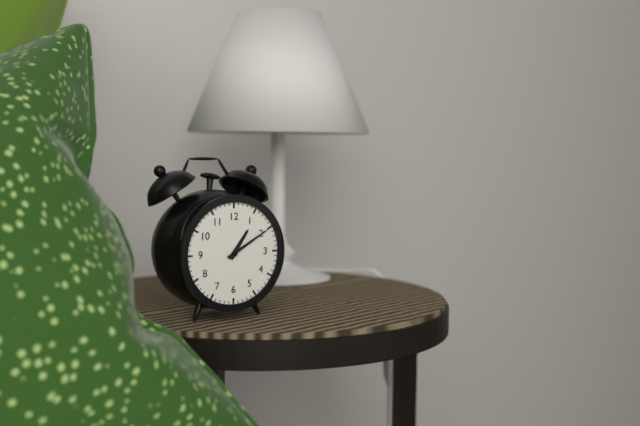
**1:10**
